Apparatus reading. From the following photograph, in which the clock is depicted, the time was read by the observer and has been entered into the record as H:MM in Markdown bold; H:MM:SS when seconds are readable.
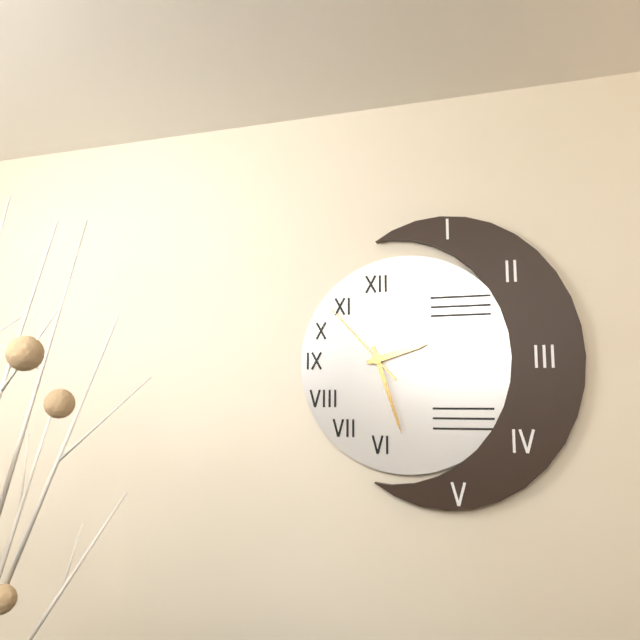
**2:27:53**
